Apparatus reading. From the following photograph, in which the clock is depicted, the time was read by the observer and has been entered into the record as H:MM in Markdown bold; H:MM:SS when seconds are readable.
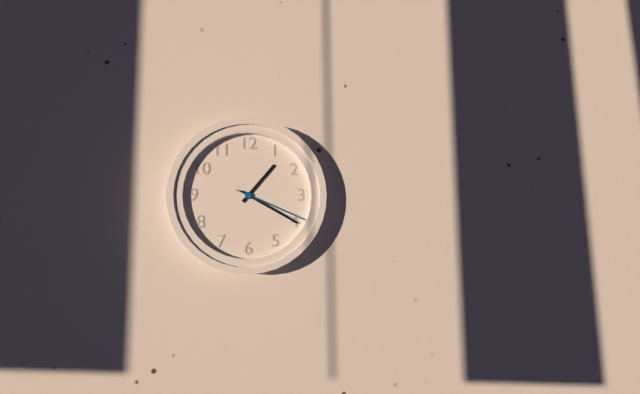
**1:20:19**
